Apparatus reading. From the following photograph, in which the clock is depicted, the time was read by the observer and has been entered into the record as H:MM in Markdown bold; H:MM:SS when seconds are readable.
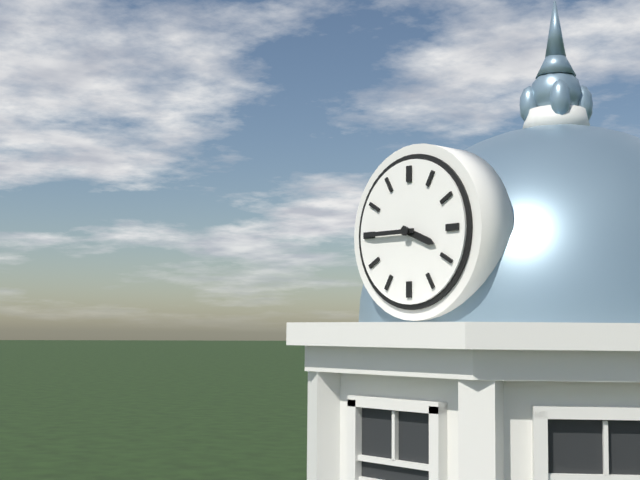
**3:45**
